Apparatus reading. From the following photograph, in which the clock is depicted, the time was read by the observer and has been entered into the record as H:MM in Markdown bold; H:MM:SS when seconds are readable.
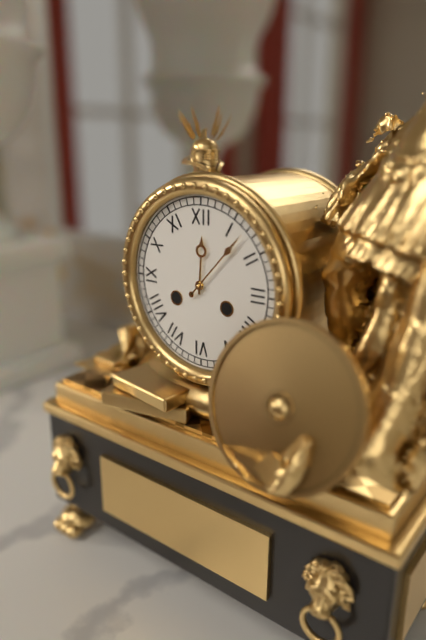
**12:07**
